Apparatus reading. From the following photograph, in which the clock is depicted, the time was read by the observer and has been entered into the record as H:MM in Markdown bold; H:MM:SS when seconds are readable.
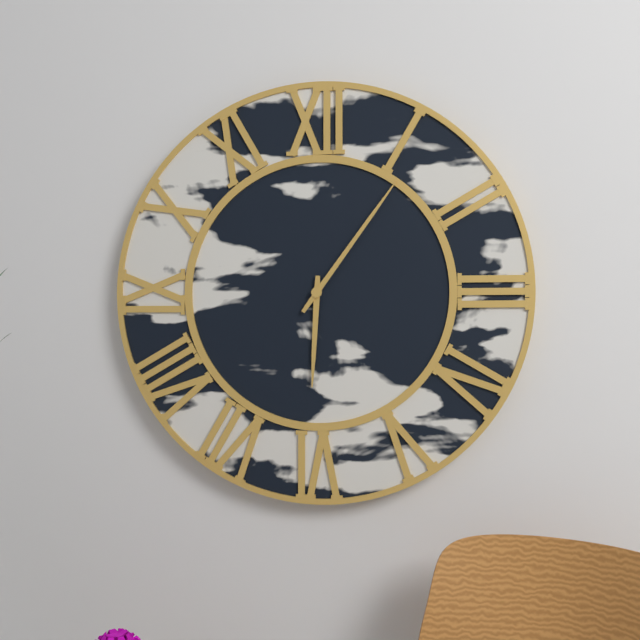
**6:06**
